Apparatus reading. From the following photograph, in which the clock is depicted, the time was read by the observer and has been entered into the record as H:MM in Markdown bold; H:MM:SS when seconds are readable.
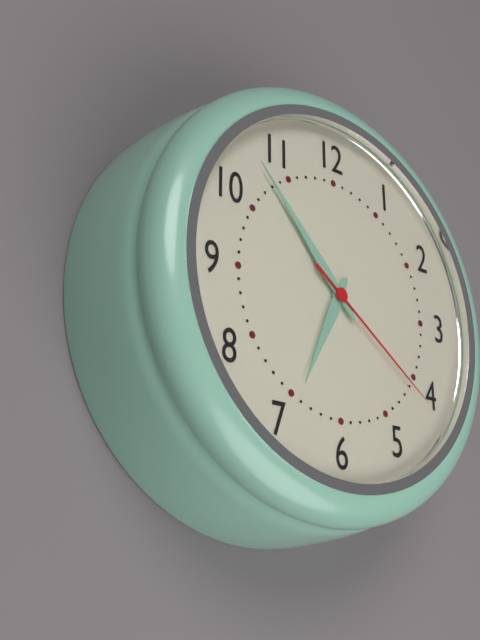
**6:53:21**
